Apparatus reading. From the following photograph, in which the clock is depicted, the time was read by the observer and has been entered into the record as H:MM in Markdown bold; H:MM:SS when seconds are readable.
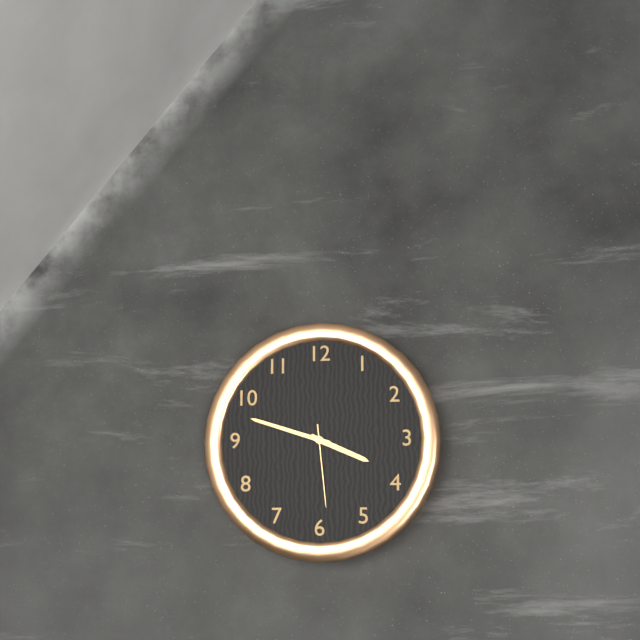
**3:48:29**
